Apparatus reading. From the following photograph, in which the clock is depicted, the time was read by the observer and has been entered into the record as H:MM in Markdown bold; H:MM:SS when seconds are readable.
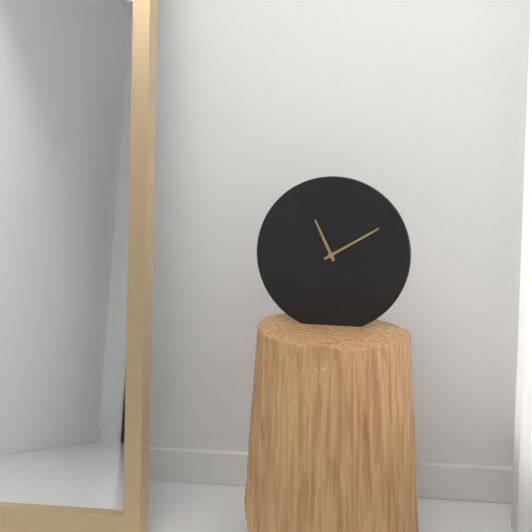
**11:10**
